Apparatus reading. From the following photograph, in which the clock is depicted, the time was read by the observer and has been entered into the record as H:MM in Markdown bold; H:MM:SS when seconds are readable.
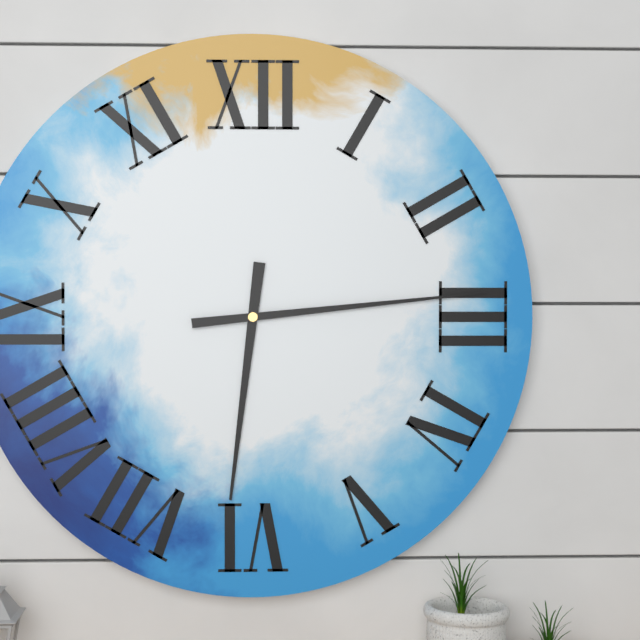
**6:14**
